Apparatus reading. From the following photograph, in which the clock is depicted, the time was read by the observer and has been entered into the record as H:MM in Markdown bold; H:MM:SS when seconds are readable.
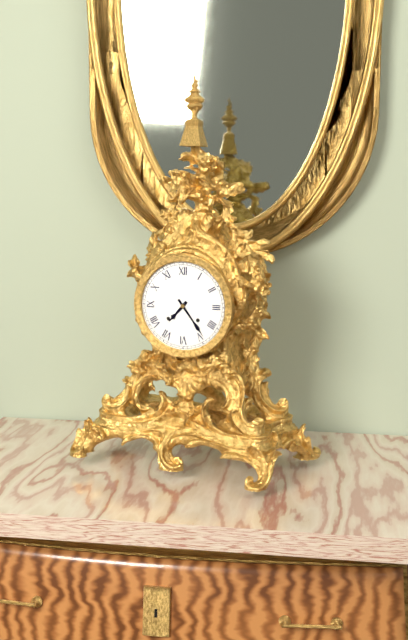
**7:24**
